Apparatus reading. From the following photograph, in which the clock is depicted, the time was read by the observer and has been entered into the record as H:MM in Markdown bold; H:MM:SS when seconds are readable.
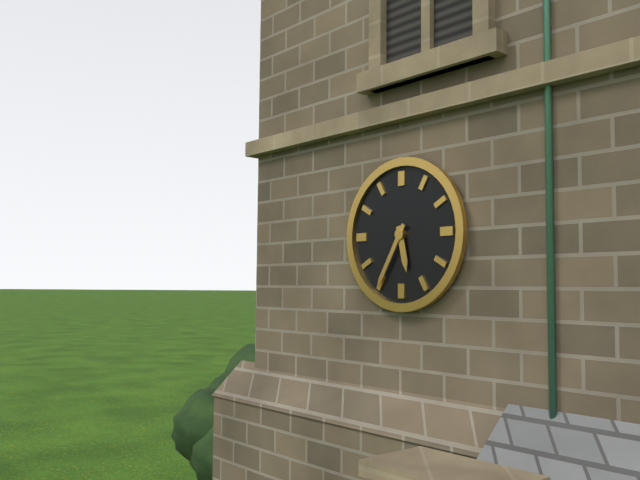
**5:35**
